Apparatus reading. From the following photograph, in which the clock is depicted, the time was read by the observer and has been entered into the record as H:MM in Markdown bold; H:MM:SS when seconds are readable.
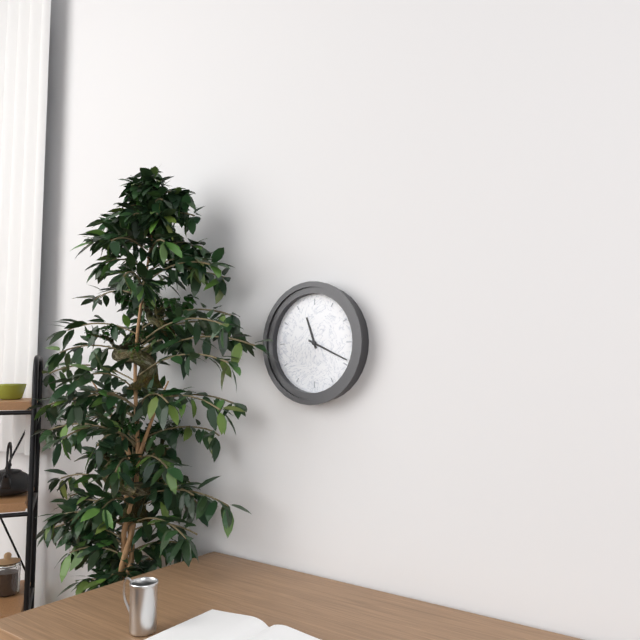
**11:19**
